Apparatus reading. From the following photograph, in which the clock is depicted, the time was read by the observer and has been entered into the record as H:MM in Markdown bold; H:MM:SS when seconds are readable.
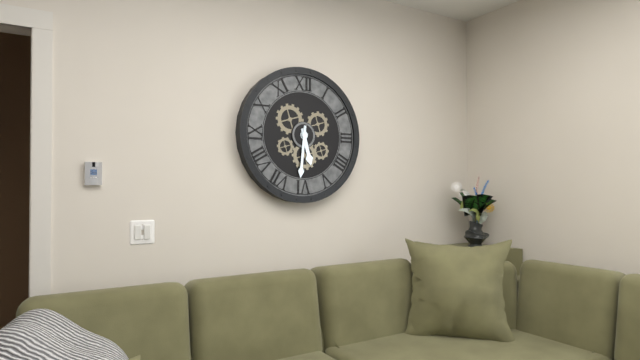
**5:31**
